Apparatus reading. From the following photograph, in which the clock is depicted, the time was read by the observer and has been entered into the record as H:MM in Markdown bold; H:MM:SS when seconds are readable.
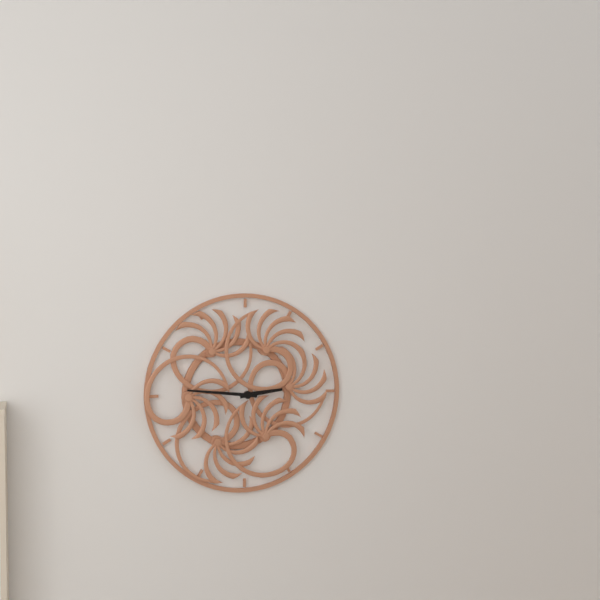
**2:46**
